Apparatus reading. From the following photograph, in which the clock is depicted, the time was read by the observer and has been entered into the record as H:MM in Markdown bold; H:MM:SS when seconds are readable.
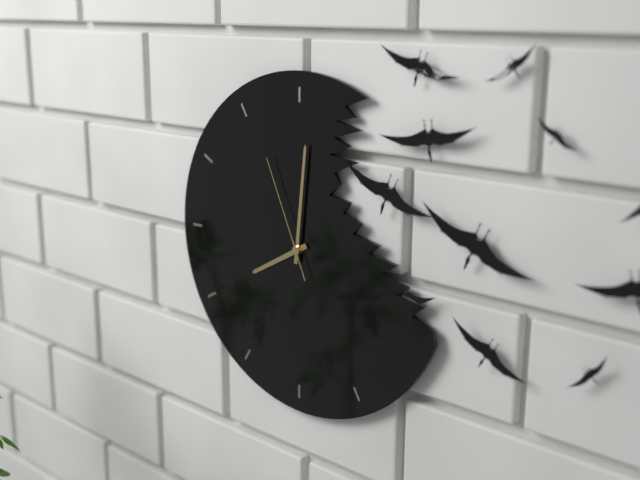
**8:01:56**
